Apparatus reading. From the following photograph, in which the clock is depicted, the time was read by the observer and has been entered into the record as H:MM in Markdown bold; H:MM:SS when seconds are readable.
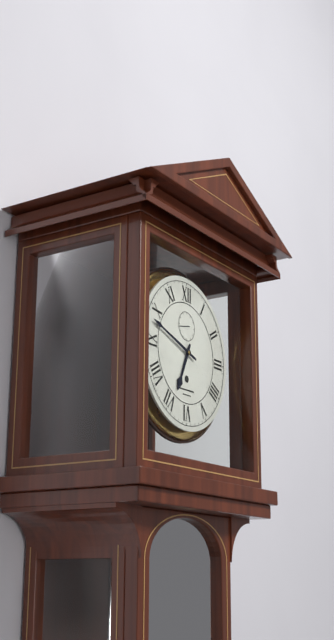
**6:48**
